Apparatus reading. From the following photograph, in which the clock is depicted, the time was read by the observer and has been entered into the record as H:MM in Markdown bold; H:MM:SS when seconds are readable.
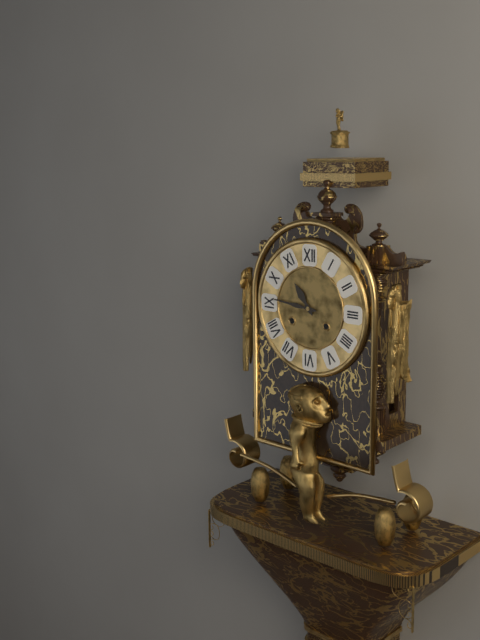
**10:46**
